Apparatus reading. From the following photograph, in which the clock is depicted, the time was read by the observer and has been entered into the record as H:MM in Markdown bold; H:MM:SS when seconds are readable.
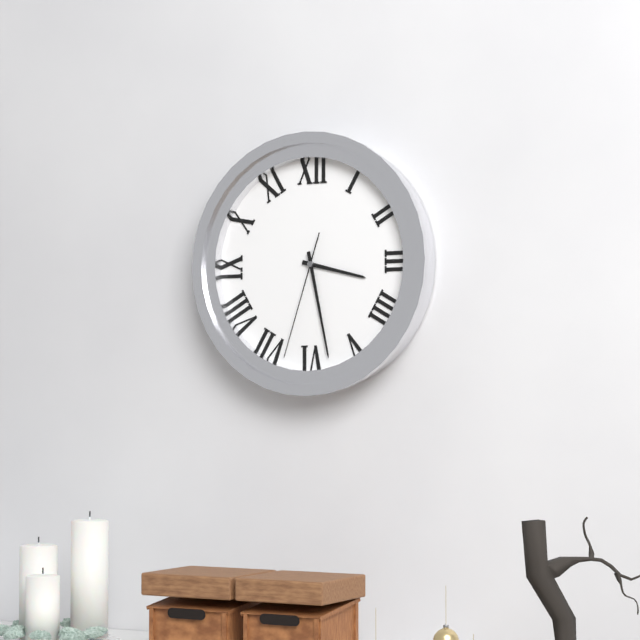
**3:28:33**
